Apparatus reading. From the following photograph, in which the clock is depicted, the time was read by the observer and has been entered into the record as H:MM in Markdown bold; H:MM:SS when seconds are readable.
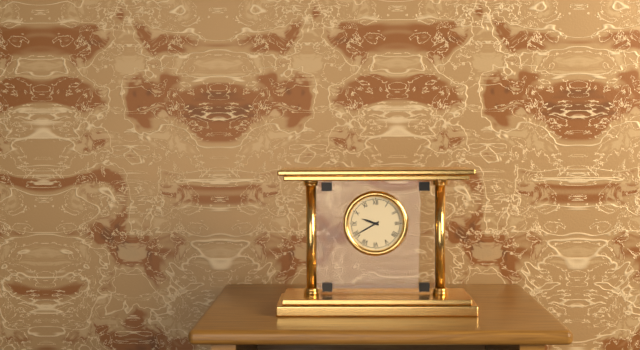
**9:40**
